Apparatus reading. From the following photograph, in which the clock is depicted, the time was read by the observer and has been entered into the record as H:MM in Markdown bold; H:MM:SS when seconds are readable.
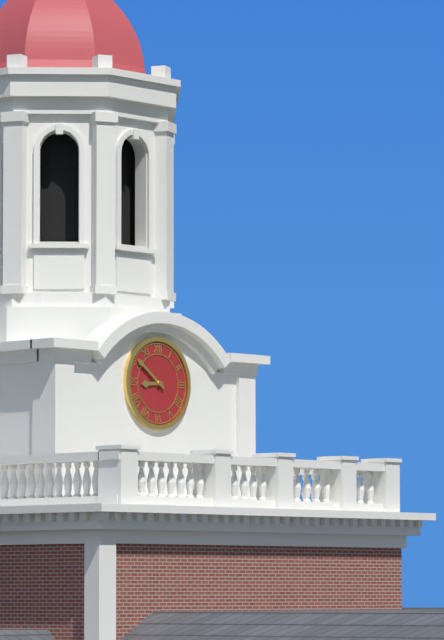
**8:51**
